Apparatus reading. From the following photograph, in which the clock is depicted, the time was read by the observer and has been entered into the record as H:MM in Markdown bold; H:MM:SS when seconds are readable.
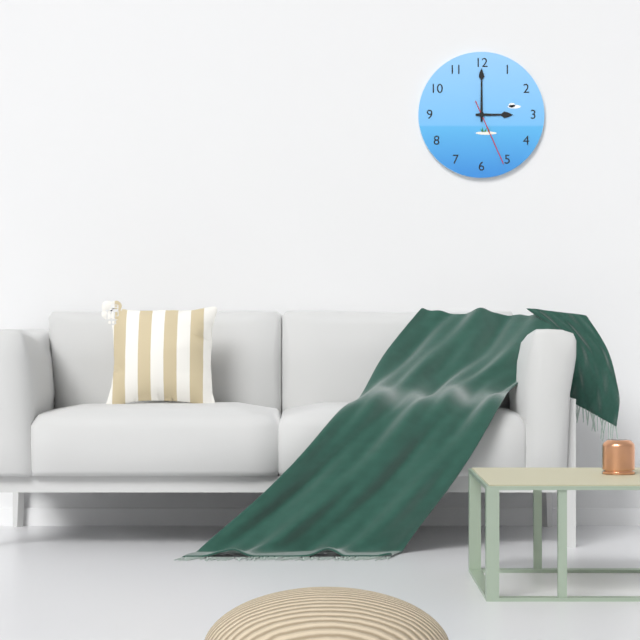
**3:00:26**
